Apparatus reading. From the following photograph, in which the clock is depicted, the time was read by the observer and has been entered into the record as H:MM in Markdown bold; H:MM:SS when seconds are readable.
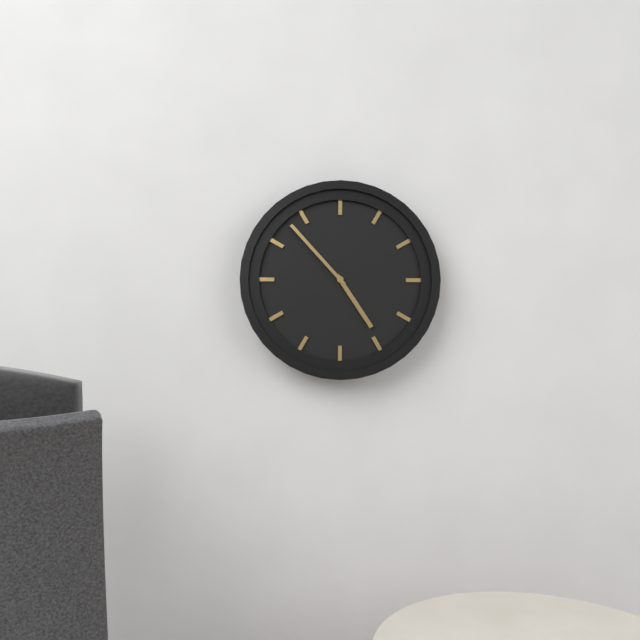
**4:53**
